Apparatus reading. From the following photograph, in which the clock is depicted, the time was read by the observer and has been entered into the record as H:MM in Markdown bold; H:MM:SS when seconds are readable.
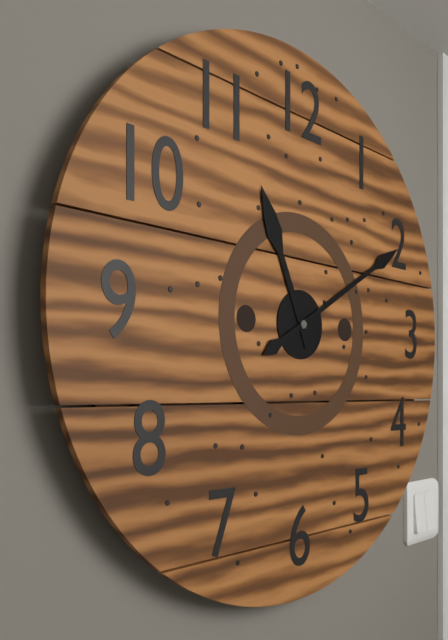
**11:10**
